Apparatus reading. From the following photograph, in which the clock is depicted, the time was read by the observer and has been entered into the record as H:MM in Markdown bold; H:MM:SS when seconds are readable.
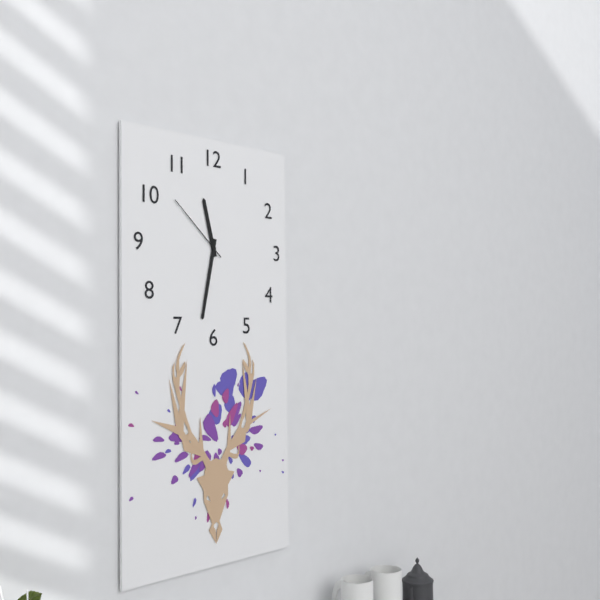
**11:32:52**
